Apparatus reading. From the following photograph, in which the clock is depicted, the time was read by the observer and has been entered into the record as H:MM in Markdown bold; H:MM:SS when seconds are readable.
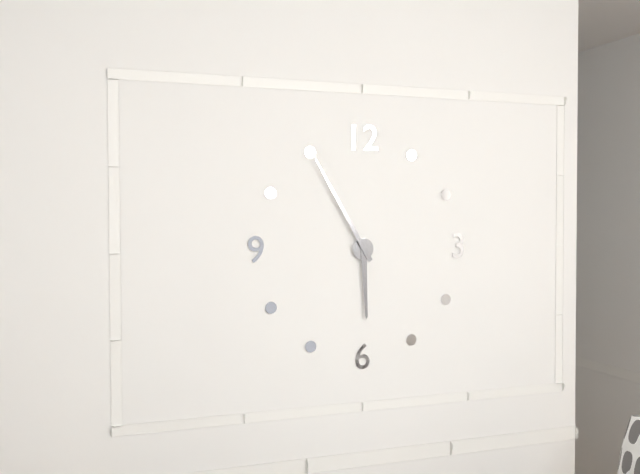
**5:55**
